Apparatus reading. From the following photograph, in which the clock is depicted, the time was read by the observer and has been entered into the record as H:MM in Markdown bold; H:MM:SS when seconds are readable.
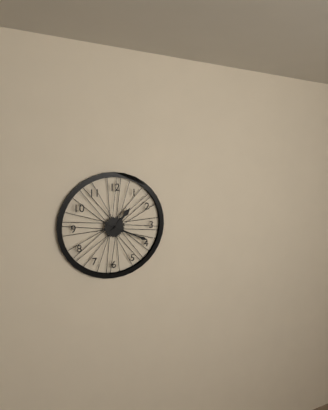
**1:19**
